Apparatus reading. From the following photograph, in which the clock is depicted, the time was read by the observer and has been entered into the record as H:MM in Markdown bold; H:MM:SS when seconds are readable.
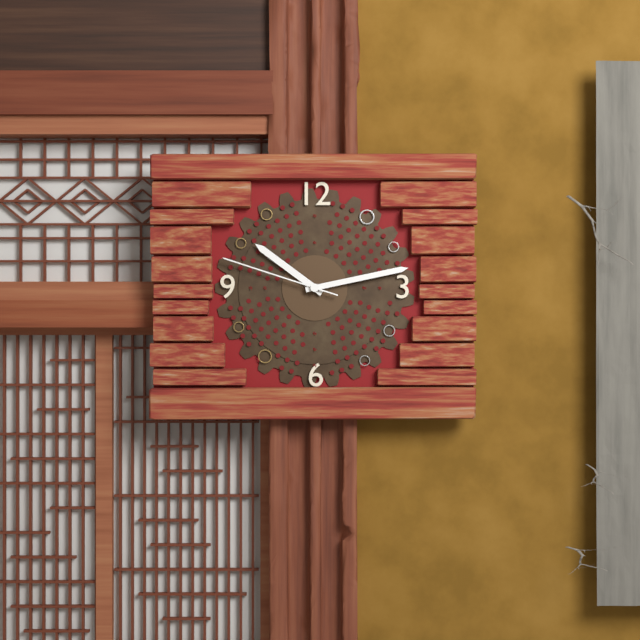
**10:13:48**
